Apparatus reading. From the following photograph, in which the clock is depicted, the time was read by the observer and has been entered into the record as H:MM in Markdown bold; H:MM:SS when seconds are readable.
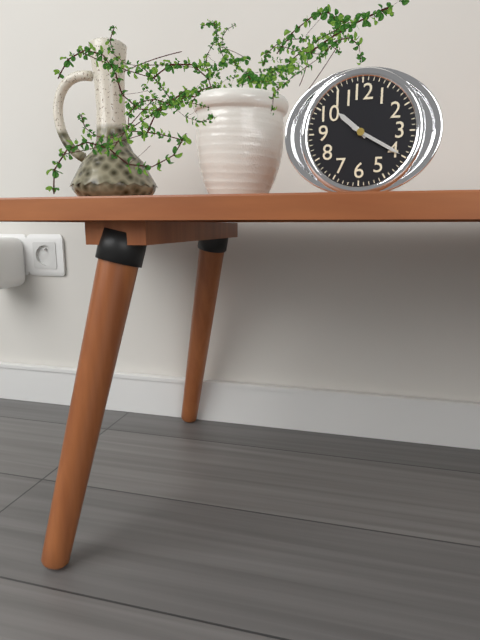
**10:20**
